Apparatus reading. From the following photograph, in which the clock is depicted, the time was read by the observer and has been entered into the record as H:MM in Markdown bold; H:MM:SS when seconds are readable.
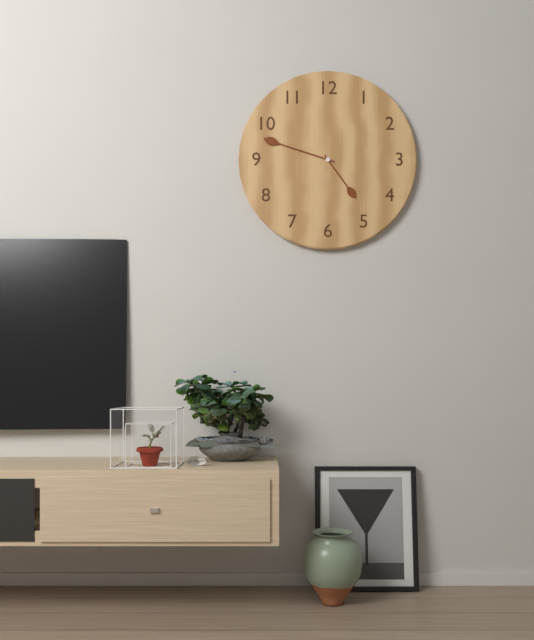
**4:48**
